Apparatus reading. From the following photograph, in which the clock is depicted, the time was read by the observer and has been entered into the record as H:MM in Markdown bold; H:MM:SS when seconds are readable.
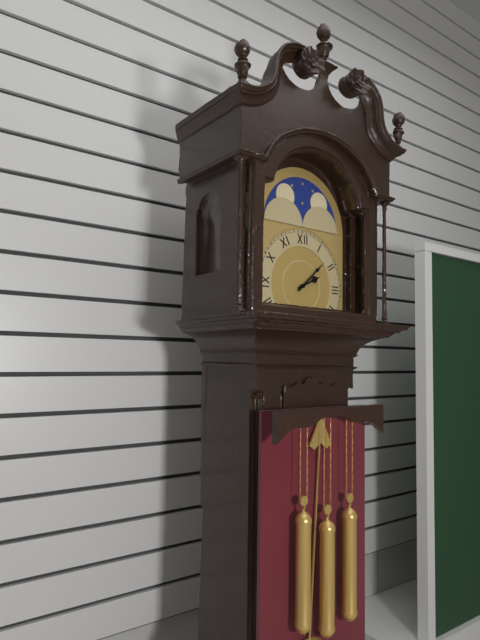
**2:08**
